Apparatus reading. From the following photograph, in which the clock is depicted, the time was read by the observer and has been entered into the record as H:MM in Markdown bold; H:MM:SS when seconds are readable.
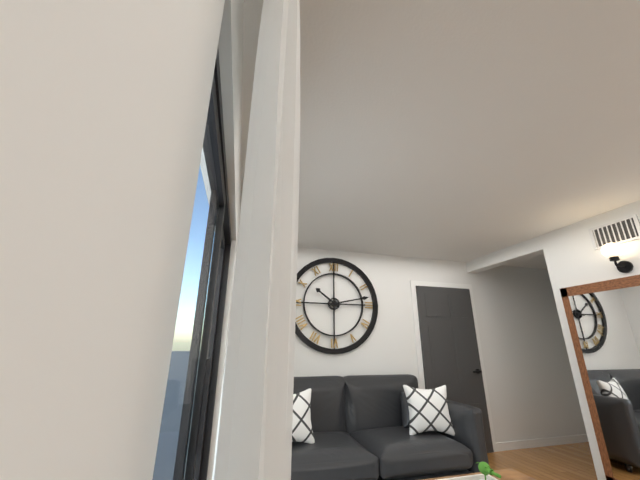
**10:13**
